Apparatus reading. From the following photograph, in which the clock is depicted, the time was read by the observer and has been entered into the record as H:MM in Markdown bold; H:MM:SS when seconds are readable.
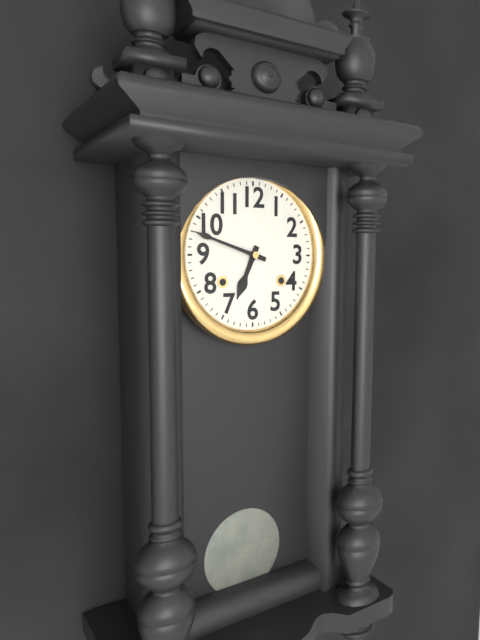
**6:48**
